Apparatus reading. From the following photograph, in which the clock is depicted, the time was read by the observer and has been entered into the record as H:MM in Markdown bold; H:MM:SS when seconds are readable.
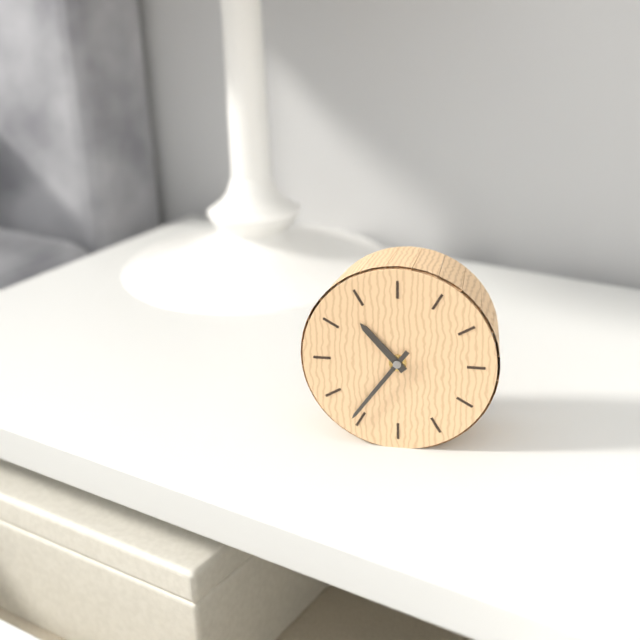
**10:36**
